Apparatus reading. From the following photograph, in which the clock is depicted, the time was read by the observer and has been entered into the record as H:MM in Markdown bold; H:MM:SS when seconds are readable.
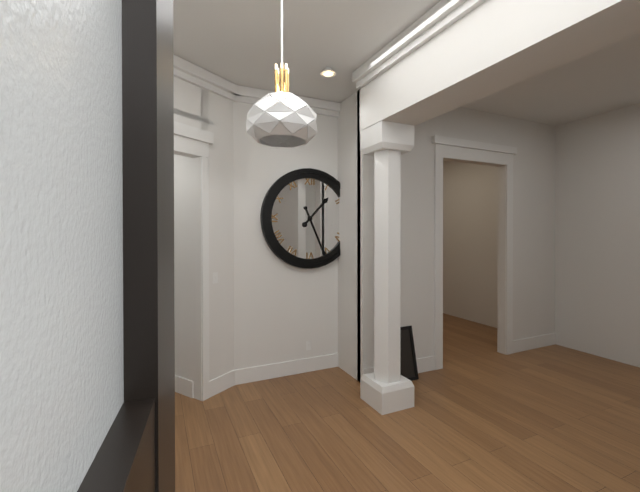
**1:26**
